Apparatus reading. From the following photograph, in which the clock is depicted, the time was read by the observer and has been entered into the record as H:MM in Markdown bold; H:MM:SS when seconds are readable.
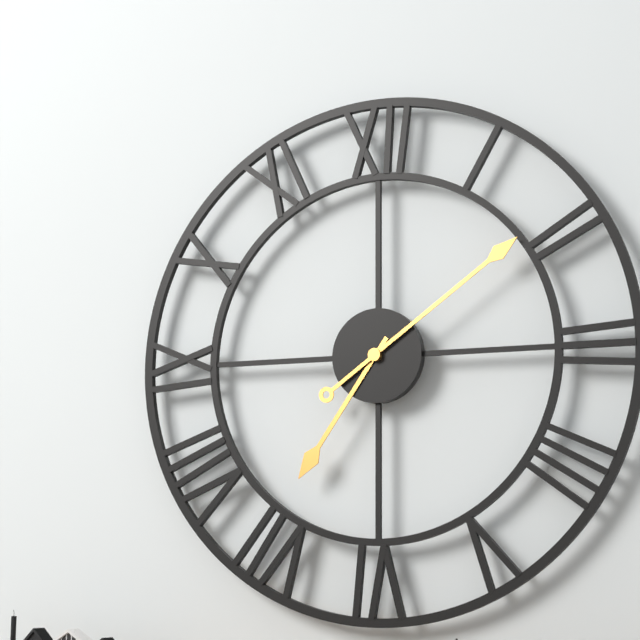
**7:09**
